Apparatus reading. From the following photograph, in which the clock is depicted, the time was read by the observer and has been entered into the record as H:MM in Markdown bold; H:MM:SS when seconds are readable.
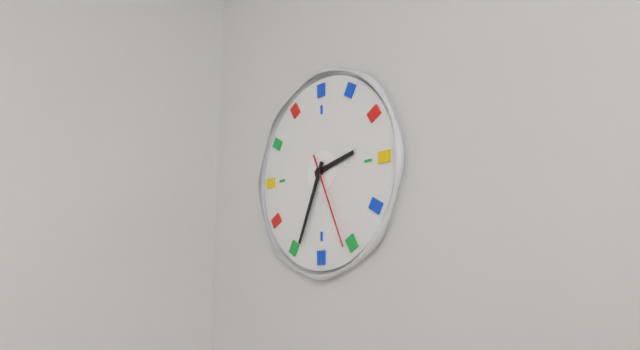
**2:34:26**
